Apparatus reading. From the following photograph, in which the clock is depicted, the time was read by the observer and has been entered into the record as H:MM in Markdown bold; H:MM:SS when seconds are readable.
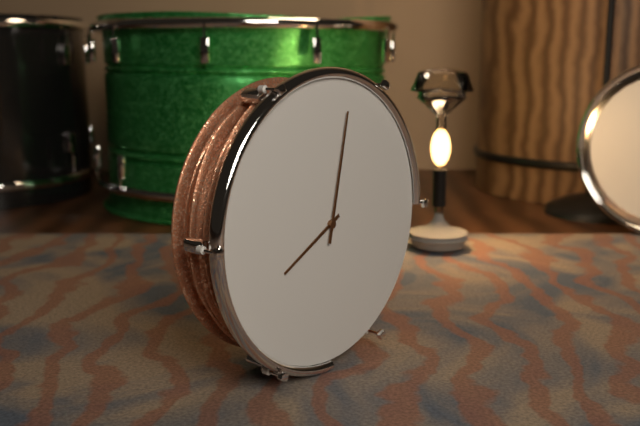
**8:02**
